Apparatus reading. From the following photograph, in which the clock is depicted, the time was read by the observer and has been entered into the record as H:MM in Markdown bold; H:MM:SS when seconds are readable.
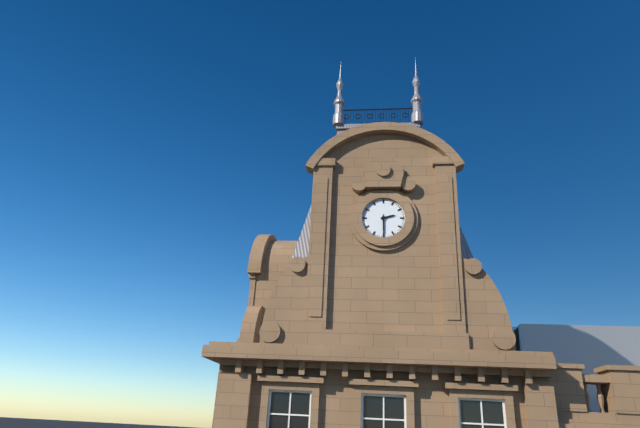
**2:30**
